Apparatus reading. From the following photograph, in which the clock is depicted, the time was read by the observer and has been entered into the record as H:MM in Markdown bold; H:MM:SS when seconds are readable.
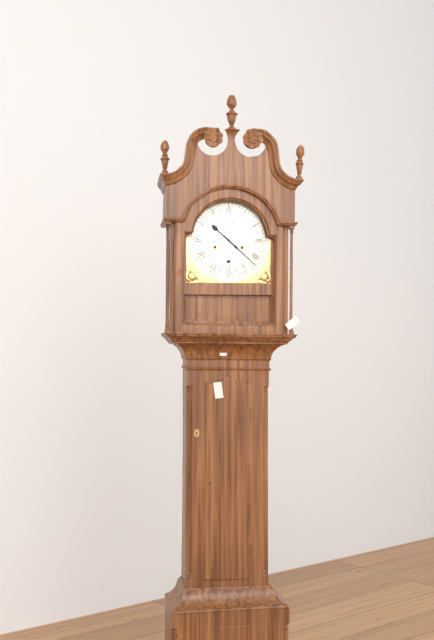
**10:22**
